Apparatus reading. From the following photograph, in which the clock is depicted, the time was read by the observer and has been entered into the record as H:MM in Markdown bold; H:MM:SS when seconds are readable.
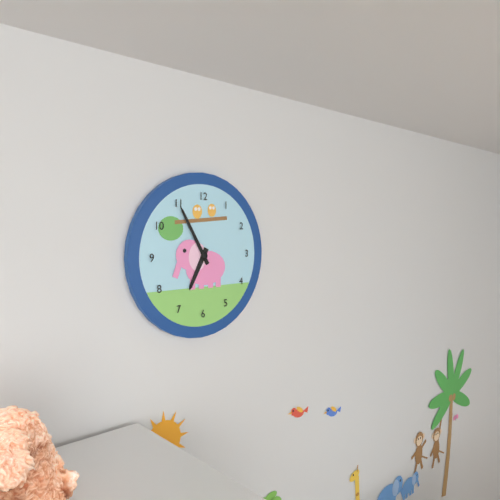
**6:55**
